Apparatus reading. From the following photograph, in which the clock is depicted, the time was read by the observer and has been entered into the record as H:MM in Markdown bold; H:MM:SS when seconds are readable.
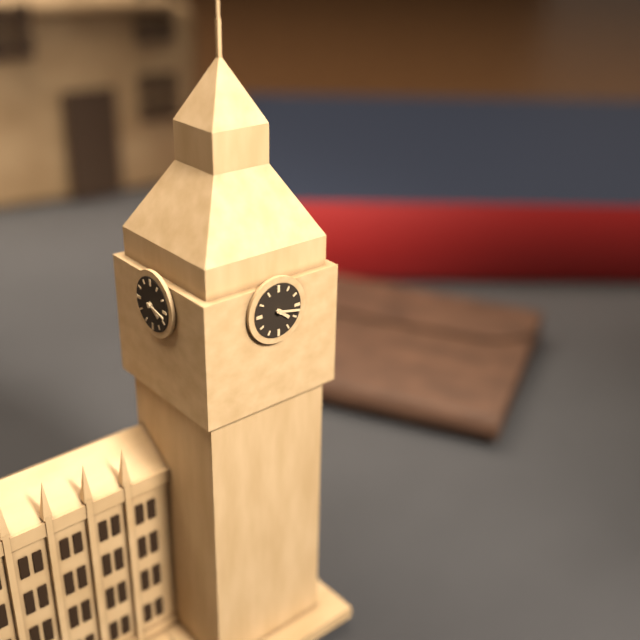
**4:17**
